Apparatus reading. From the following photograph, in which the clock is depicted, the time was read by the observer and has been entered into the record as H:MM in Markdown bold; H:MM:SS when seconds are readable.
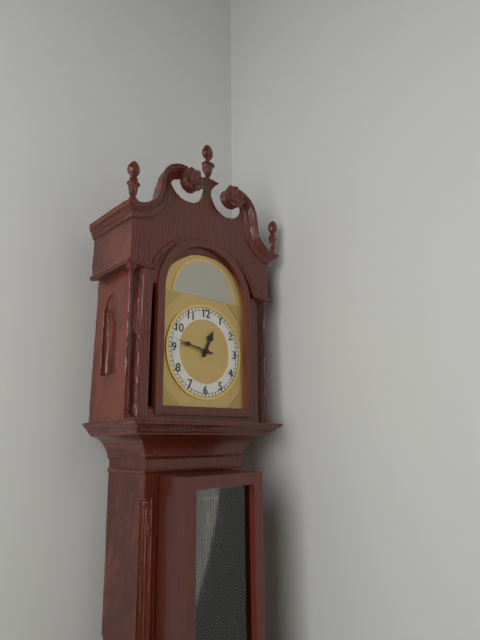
**12:47**
